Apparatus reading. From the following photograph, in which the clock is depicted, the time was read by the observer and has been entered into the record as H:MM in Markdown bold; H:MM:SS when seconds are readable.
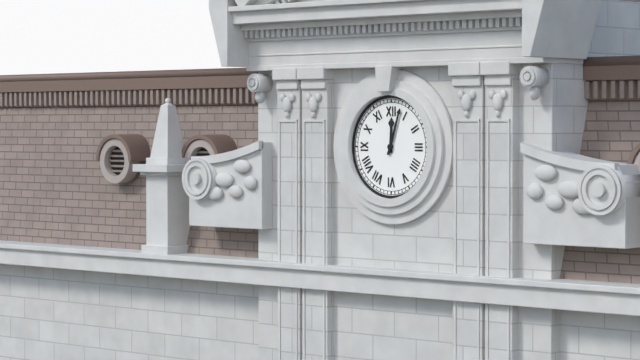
**12:03**
